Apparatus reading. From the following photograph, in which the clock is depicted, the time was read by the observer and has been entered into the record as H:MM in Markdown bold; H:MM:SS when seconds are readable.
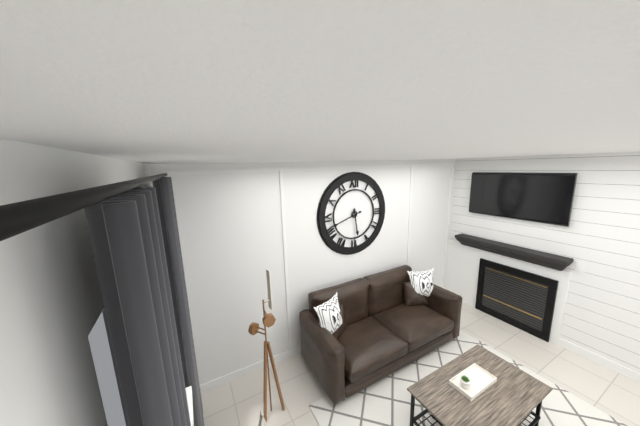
**5:42**
